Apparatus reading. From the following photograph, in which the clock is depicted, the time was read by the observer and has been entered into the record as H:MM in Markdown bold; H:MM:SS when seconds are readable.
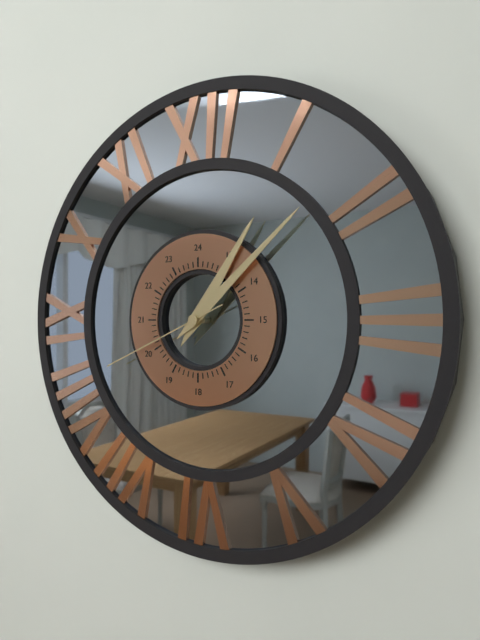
**1:08:41**
